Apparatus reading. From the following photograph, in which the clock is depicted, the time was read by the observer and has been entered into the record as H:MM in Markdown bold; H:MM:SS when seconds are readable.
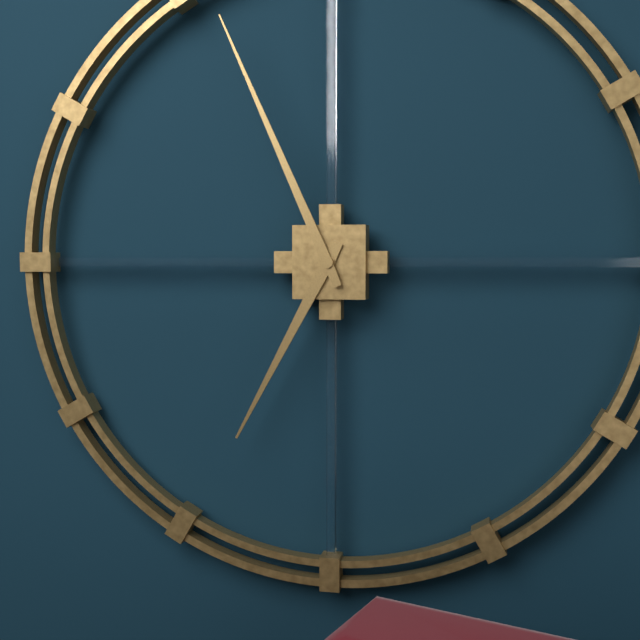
**6:56**
